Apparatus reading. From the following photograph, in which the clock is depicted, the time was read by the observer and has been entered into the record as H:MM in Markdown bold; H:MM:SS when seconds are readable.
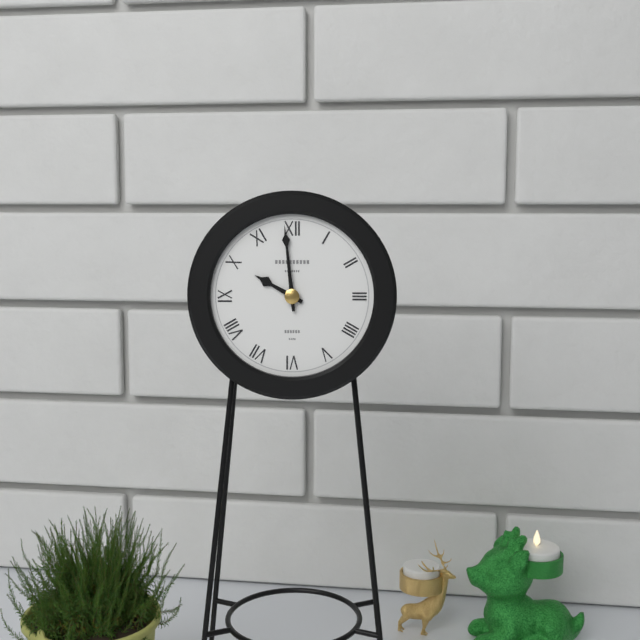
**9:59**
